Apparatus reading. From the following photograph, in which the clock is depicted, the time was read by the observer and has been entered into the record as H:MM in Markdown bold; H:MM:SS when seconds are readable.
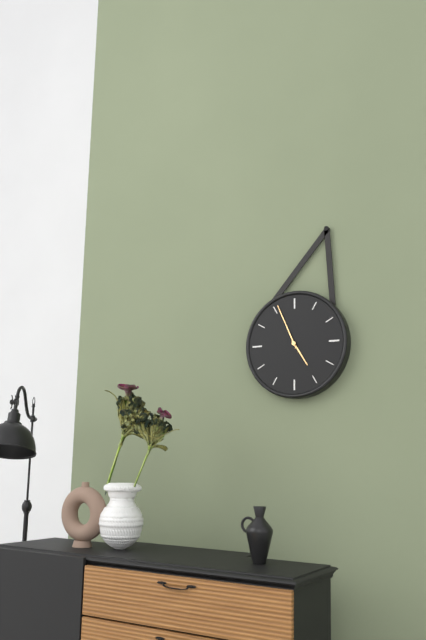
**4:56**
